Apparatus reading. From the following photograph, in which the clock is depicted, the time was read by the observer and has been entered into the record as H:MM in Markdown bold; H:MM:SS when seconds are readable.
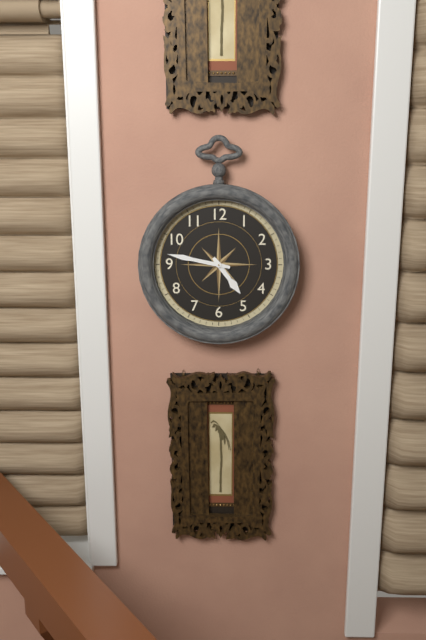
**4:47**
